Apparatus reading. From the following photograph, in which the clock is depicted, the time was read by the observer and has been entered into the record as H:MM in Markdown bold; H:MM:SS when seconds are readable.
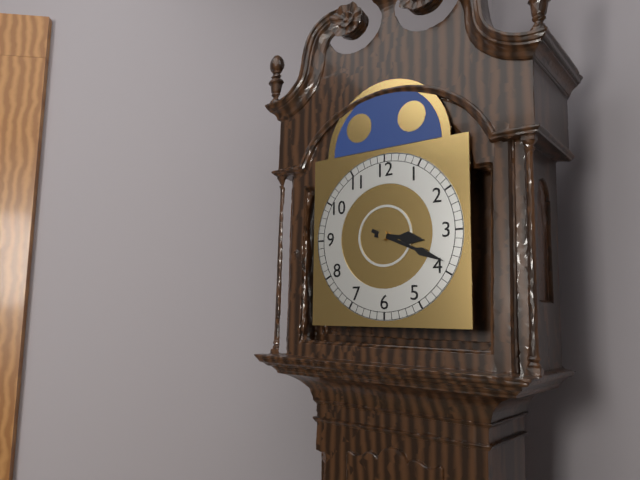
**3:19**
